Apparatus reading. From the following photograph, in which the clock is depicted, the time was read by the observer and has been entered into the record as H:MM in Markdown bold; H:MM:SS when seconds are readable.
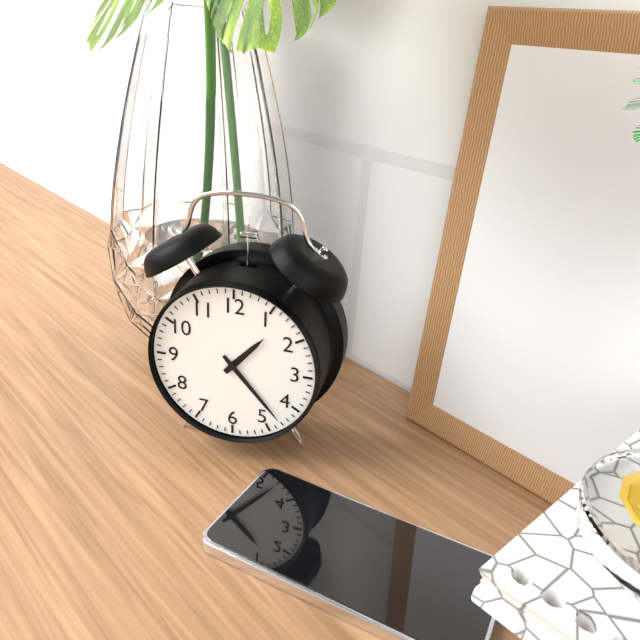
**1:23**
